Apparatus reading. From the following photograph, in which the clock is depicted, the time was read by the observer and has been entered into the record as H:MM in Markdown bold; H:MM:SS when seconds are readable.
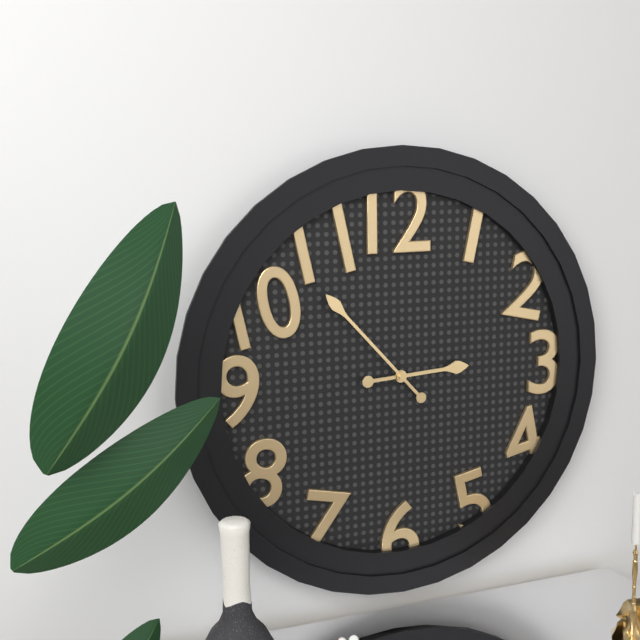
**2:53**
